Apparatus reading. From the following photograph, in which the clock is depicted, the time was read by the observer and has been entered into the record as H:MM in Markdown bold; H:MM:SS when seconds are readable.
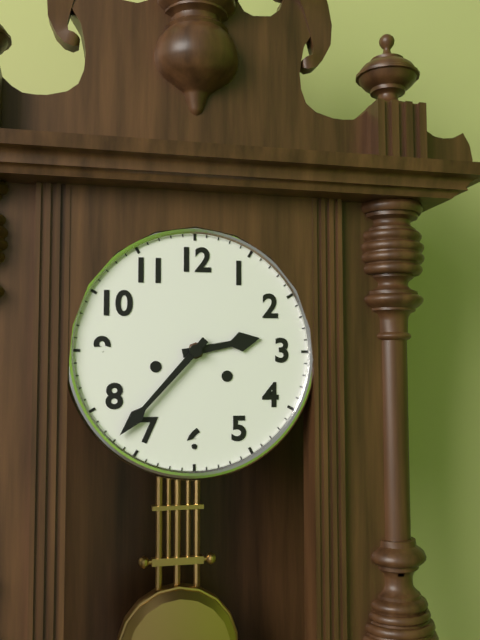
**2:37**
